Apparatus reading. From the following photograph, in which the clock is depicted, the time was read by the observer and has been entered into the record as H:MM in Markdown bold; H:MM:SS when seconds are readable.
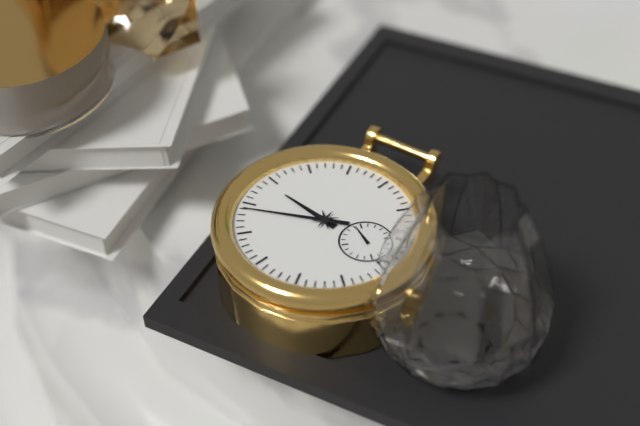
**10:49**
